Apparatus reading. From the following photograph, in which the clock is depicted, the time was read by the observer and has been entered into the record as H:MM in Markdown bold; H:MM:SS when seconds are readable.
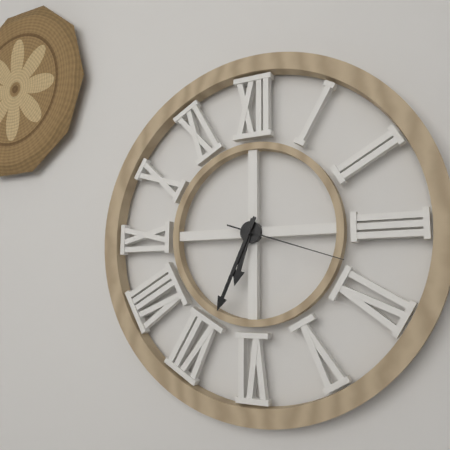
**6:34:18**
